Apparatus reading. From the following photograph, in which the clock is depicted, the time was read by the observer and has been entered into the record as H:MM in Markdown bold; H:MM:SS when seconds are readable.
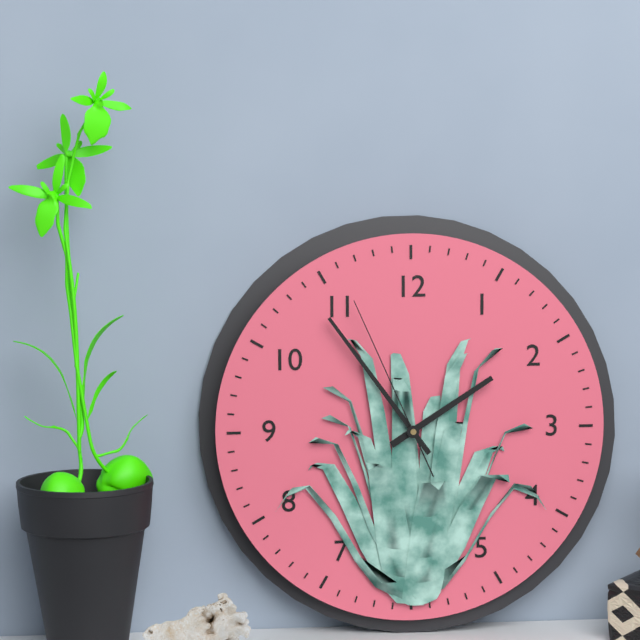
**1:54:56**
